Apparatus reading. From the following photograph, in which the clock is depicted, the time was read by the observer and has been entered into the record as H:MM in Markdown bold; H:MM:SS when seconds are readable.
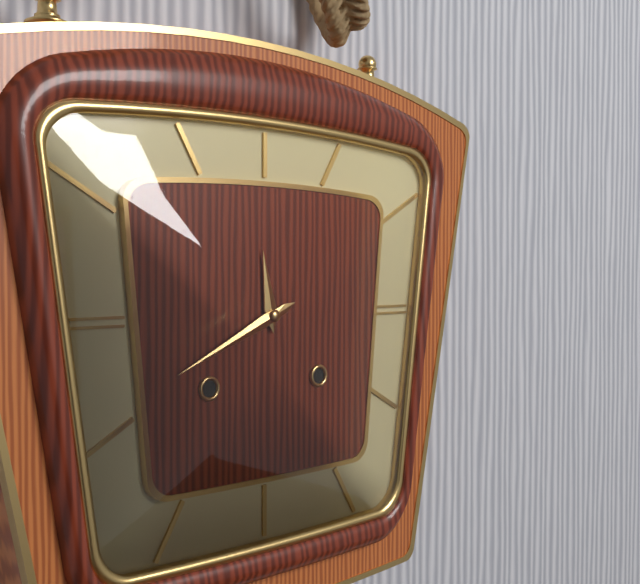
**11:41**
